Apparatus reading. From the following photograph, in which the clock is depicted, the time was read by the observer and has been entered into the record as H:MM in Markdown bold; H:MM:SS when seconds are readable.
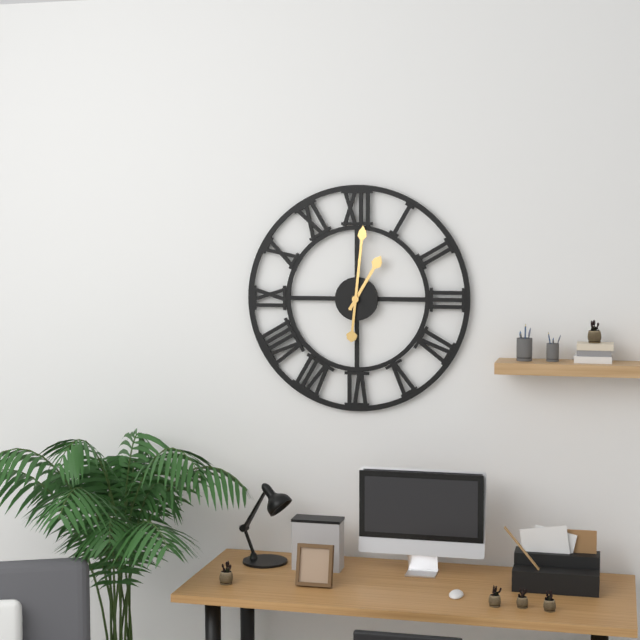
**1:01**
